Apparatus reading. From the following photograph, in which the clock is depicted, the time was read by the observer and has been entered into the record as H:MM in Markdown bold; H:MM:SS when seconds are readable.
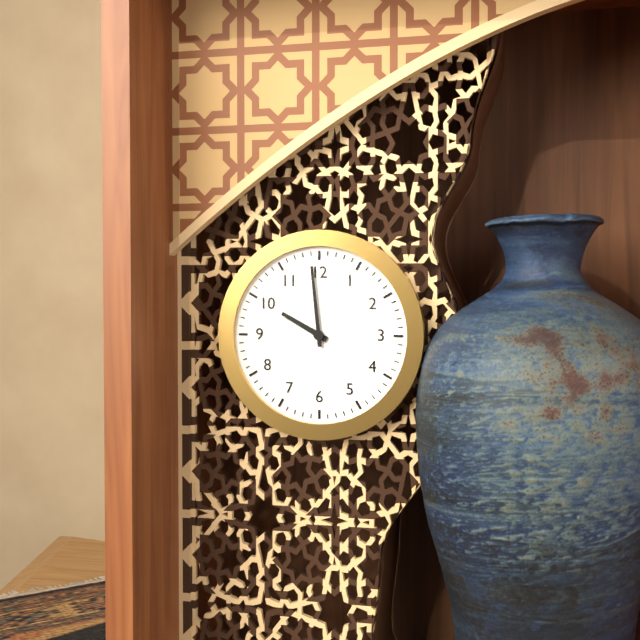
**9:59**
